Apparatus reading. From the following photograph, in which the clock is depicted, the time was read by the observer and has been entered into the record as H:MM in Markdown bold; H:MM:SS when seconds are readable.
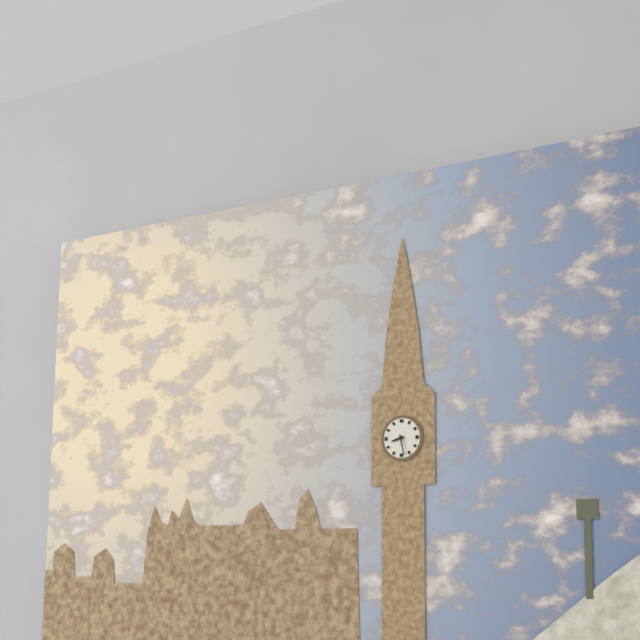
**8:28**
